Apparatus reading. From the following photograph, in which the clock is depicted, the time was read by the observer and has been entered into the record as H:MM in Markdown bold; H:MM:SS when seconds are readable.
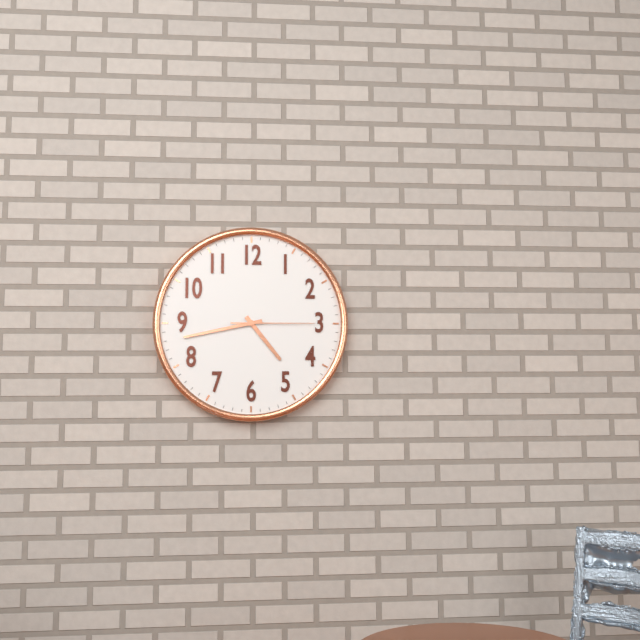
**4:43:15**
